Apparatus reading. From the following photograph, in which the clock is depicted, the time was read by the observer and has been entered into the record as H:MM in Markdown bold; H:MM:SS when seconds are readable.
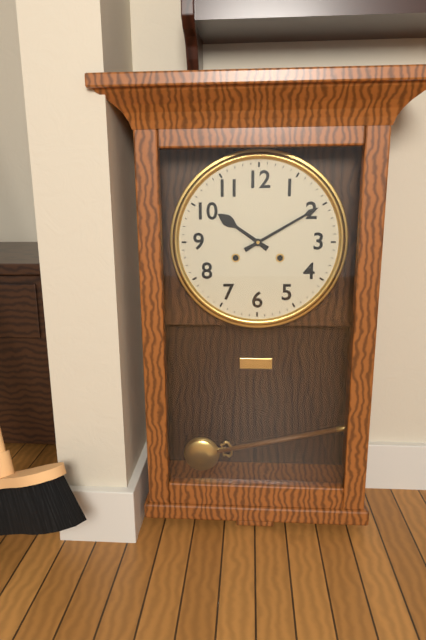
**10:10**
